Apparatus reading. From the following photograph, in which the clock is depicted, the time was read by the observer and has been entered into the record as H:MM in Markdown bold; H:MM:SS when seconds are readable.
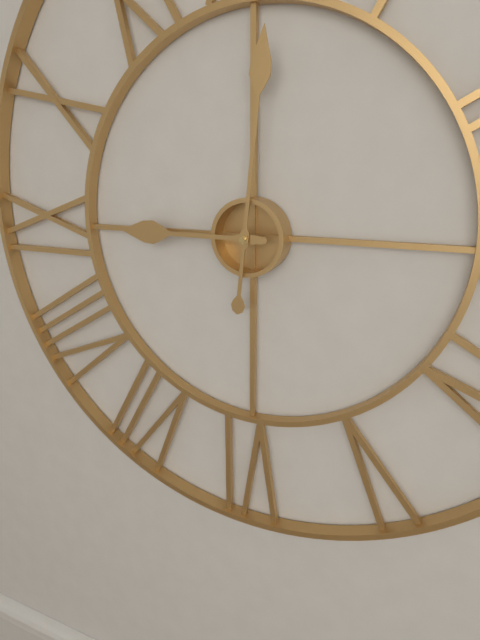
**9:01**
